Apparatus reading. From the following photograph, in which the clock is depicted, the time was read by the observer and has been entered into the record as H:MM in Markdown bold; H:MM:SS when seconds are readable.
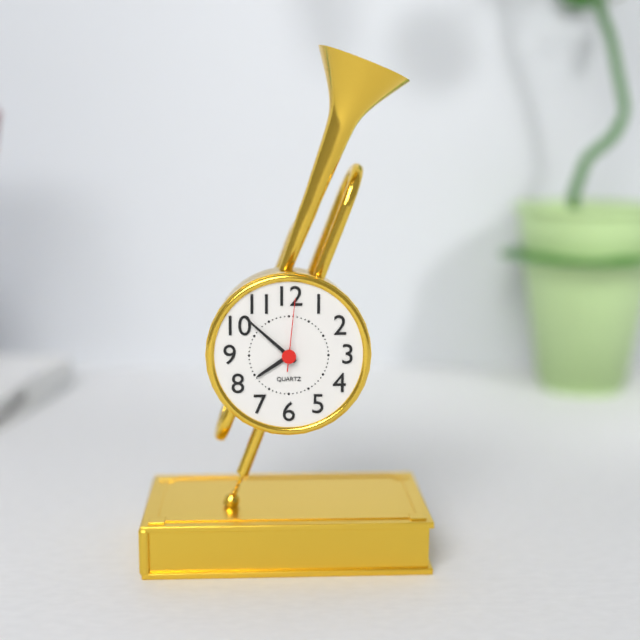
**7:52:01**
